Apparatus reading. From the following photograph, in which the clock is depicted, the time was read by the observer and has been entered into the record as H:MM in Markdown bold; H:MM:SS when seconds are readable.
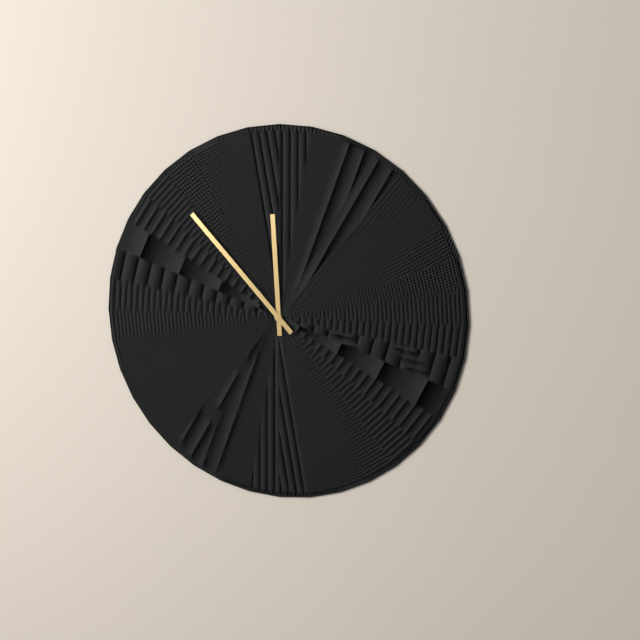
**11:53**
